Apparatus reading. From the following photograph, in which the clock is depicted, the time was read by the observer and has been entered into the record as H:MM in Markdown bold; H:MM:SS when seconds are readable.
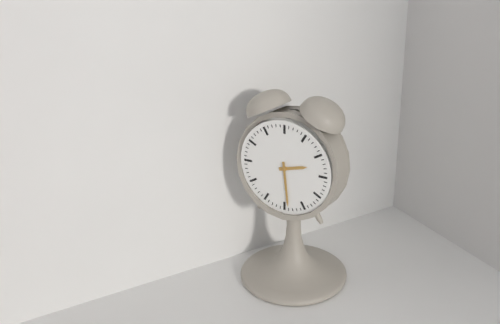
**2:29**
